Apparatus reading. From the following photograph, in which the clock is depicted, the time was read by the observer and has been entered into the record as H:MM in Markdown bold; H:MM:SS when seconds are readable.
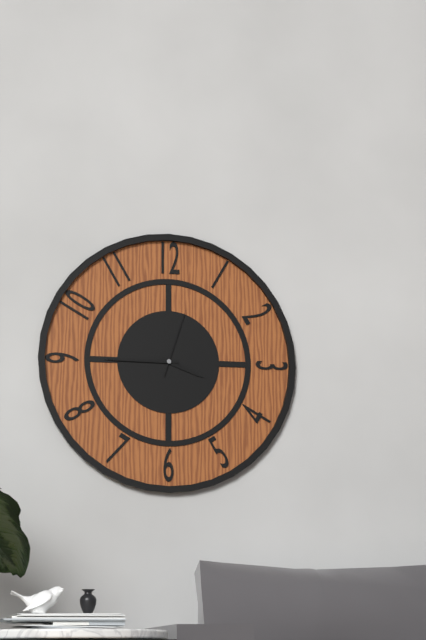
**3:45:03**
